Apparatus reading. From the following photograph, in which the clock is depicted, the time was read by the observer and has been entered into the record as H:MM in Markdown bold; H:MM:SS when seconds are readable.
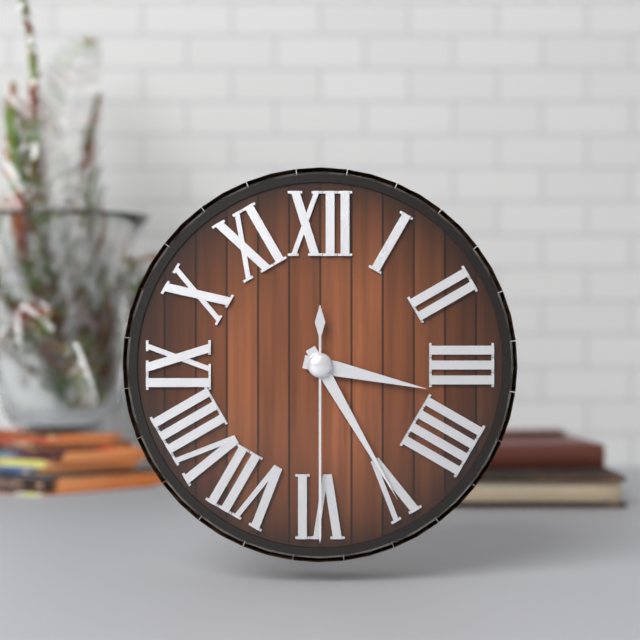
**3:25:30**
